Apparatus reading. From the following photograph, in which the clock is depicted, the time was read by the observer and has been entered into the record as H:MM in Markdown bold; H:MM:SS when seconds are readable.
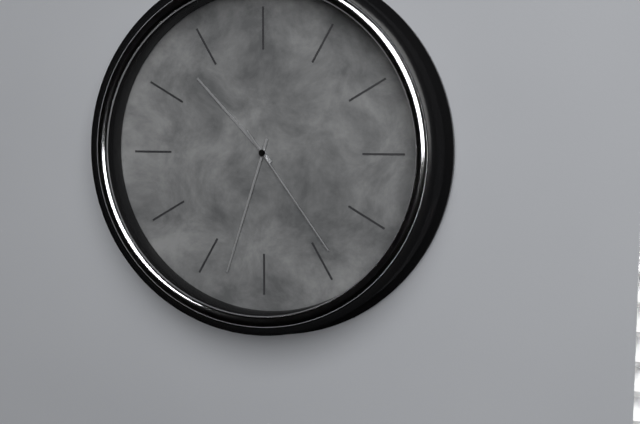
**10:33:24**
